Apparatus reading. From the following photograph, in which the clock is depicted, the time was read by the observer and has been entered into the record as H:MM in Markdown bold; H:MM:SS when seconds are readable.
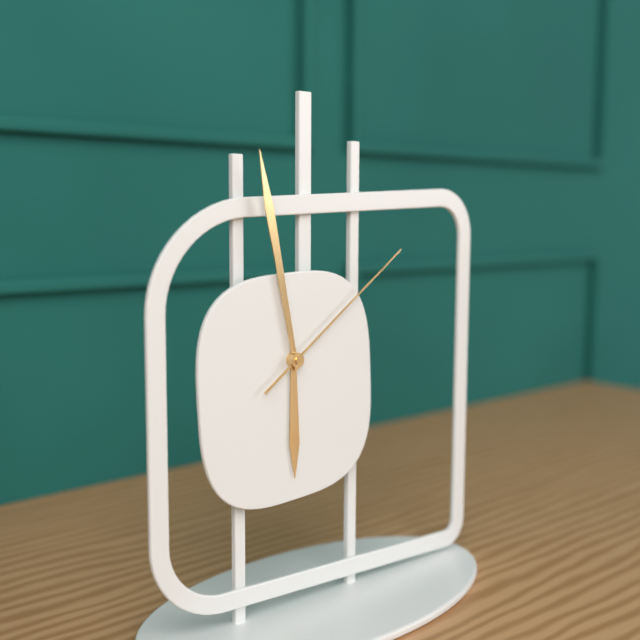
**5:58:09**
